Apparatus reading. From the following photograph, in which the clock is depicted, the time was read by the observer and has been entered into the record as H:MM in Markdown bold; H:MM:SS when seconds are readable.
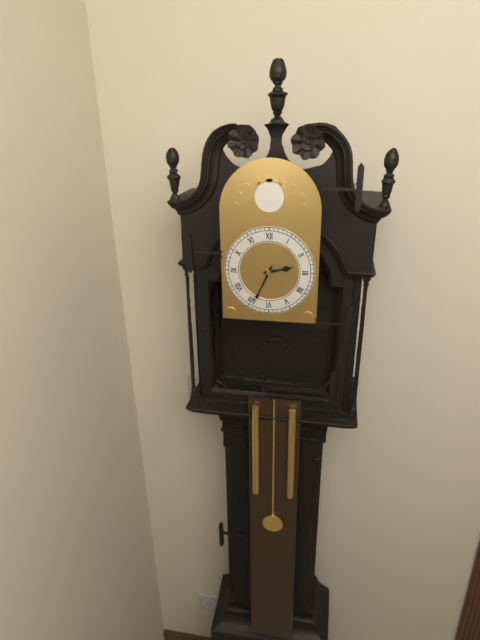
**2:34**
